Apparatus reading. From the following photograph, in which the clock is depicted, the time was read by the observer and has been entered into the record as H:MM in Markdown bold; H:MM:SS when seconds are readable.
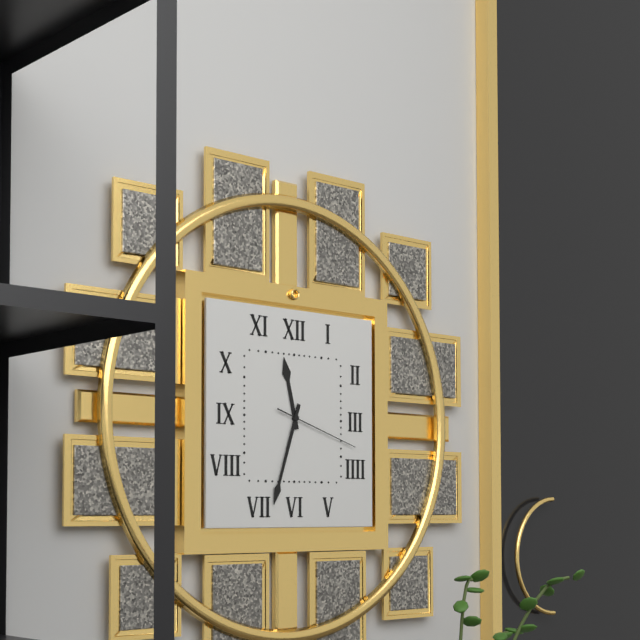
**11:33:18**
